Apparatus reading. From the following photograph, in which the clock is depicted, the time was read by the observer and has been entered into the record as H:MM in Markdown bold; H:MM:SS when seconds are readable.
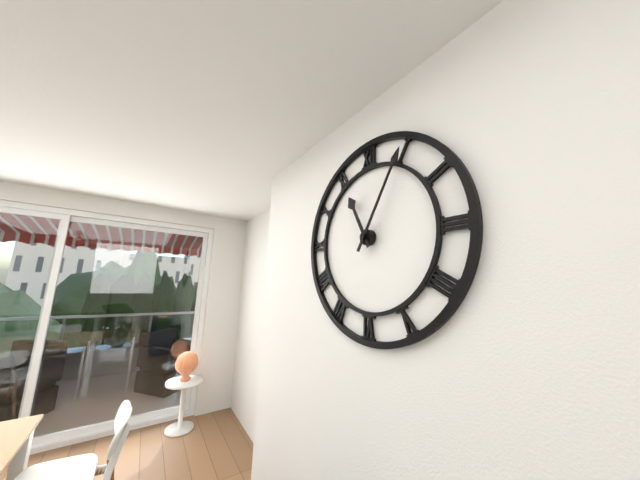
**11:05**
